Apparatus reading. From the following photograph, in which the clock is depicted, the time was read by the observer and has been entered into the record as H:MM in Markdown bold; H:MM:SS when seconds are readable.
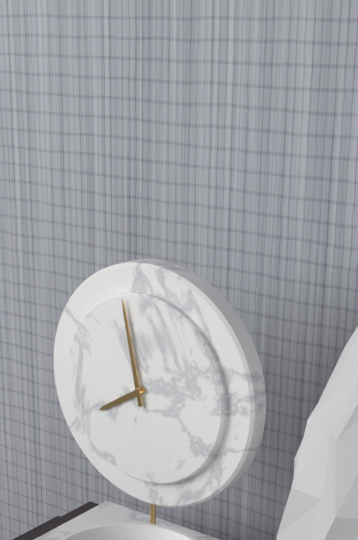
**7:58**
